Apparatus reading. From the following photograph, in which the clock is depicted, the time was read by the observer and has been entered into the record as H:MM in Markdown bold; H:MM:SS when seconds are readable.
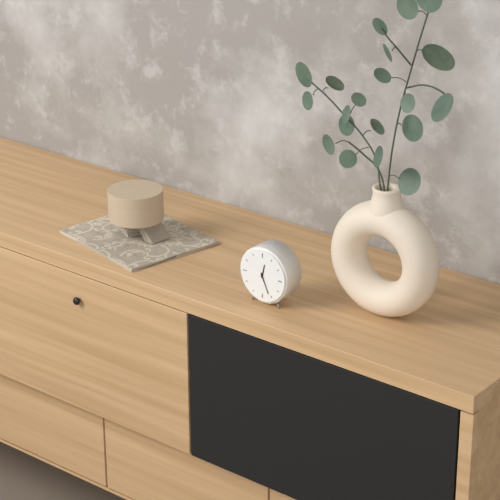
**12:26**
